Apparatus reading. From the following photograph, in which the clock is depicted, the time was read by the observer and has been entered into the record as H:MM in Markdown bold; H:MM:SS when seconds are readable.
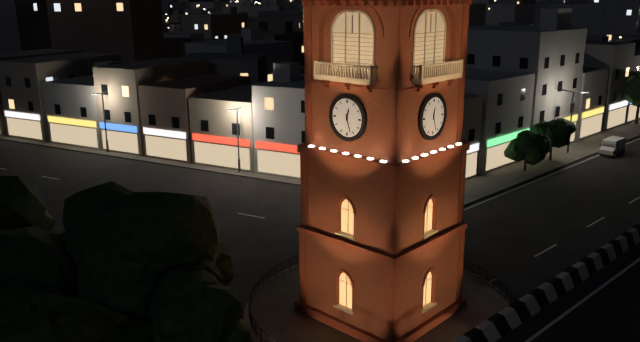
**12:27**
